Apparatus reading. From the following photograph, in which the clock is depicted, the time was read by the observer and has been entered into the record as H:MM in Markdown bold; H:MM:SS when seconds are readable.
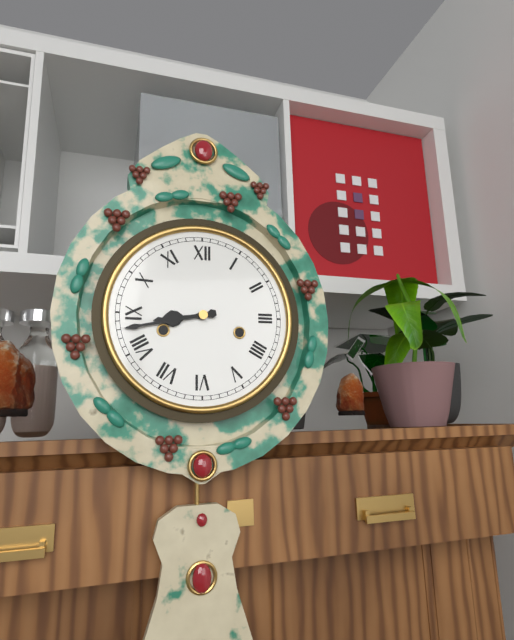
**8:43**
